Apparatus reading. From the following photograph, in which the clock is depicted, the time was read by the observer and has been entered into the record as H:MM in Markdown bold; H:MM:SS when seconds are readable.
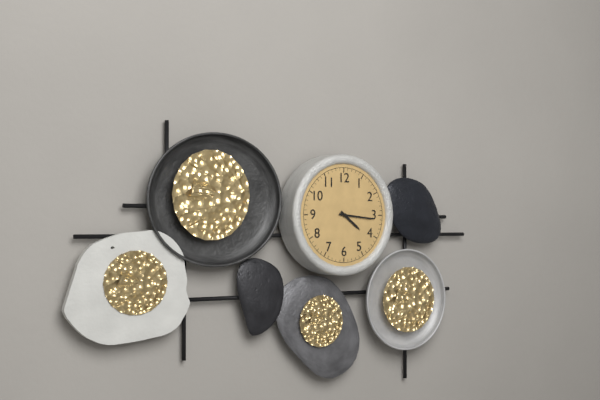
**4:16**
